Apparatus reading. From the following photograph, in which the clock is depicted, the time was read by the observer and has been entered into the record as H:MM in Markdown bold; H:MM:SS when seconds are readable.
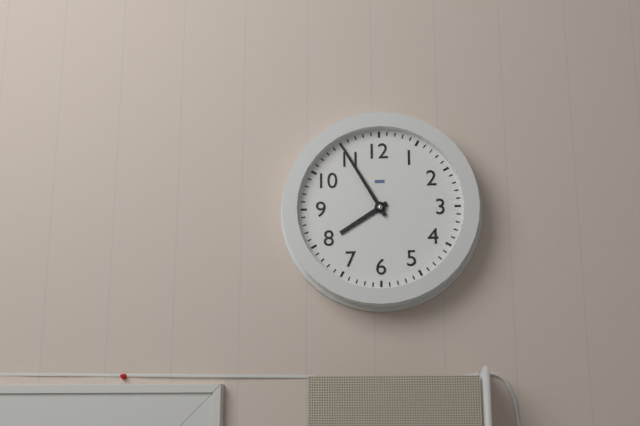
**7:55**
